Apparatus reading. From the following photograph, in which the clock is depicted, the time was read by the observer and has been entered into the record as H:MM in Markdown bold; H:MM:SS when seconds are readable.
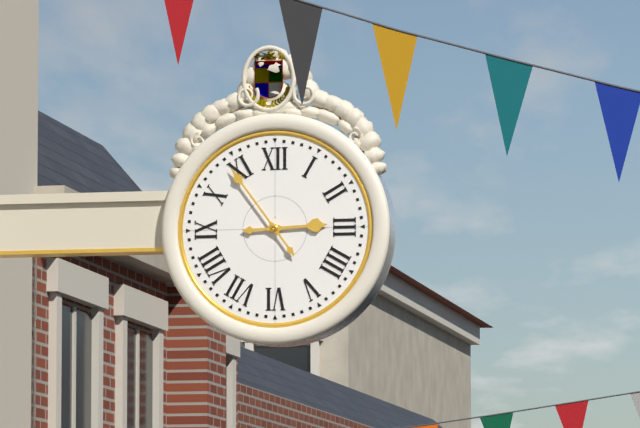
**2:54**
